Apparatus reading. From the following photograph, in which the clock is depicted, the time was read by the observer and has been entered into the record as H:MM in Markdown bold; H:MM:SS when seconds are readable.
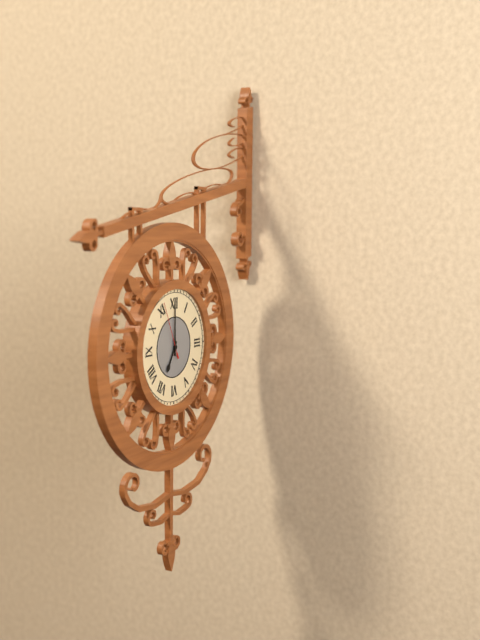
**7:00:56**
